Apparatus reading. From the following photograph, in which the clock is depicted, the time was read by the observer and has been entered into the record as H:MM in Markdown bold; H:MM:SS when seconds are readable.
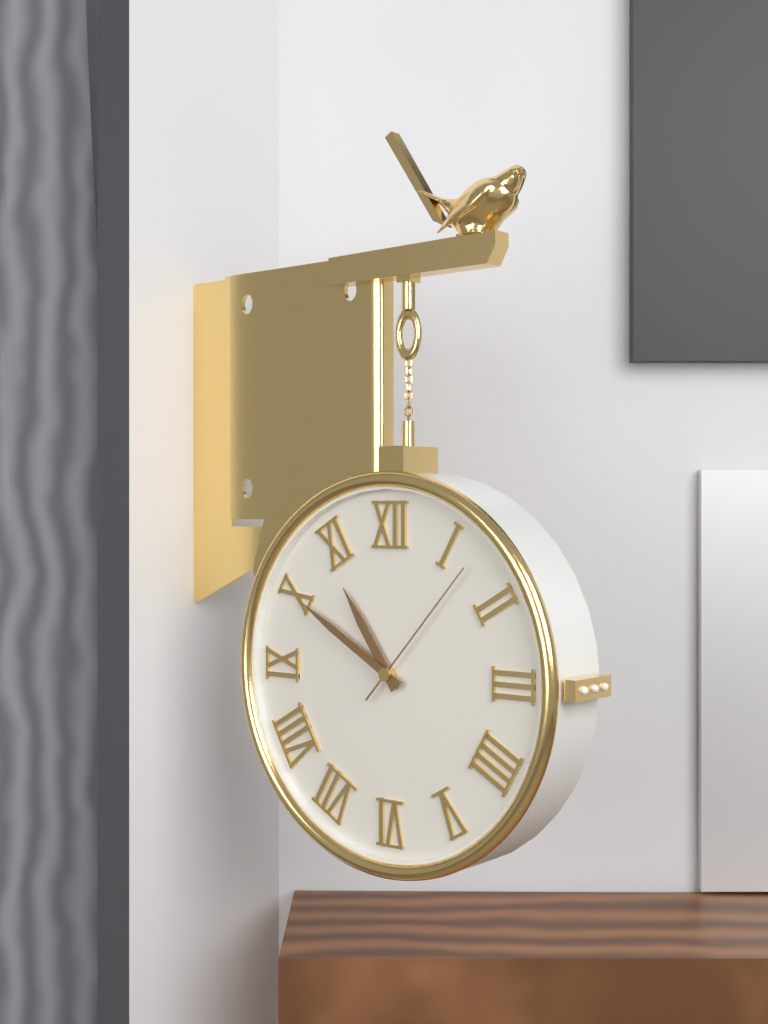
**10:50:07**
